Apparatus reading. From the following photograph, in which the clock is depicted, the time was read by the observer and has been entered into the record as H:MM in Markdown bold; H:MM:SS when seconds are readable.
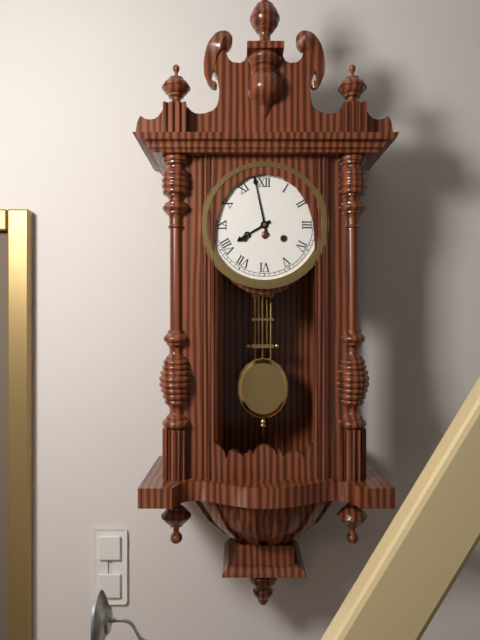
**7:58**
